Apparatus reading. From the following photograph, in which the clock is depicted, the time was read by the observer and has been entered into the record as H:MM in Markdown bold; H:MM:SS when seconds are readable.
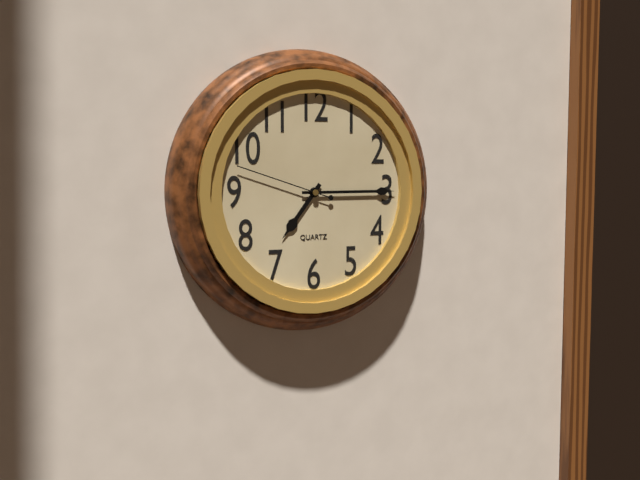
**7:15:48**
